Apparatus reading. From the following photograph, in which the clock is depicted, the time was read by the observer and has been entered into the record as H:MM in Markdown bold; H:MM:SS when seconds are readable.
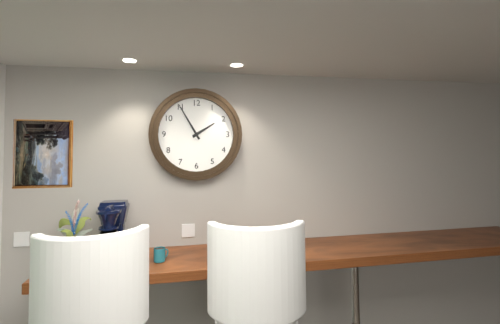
**1:55**
